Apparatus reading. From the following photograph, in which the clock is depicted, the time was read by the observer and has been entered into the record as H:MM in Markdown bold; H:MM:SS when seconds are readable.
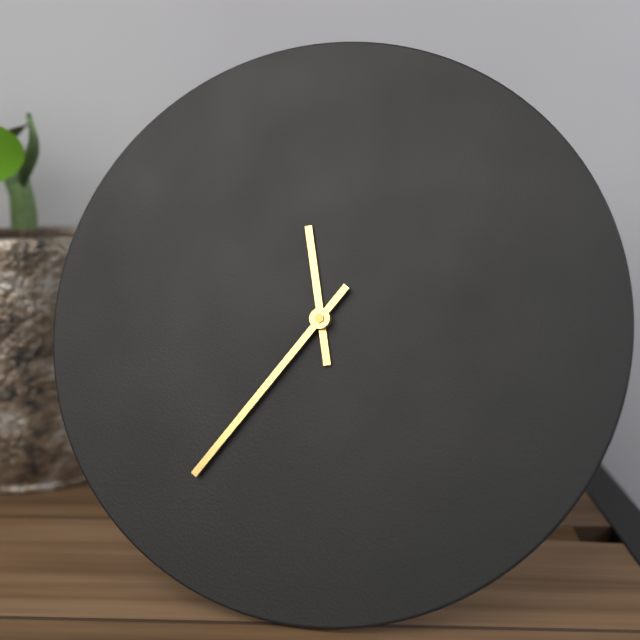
**11:36**
